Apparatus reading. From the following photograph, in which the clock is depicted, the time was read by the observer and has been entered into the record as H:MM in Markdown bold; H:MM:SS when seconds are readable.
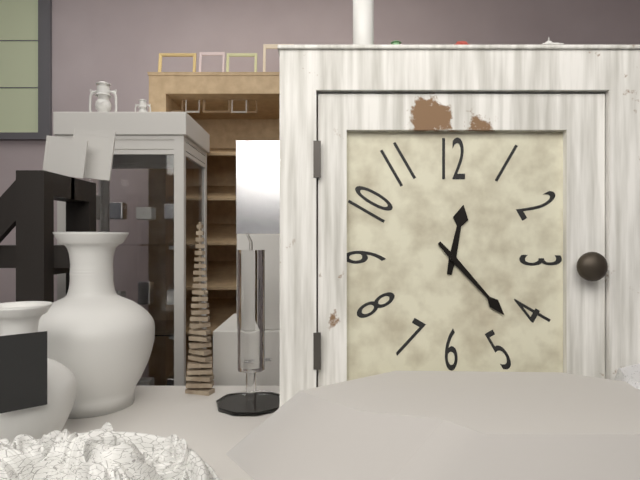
**12:23**
